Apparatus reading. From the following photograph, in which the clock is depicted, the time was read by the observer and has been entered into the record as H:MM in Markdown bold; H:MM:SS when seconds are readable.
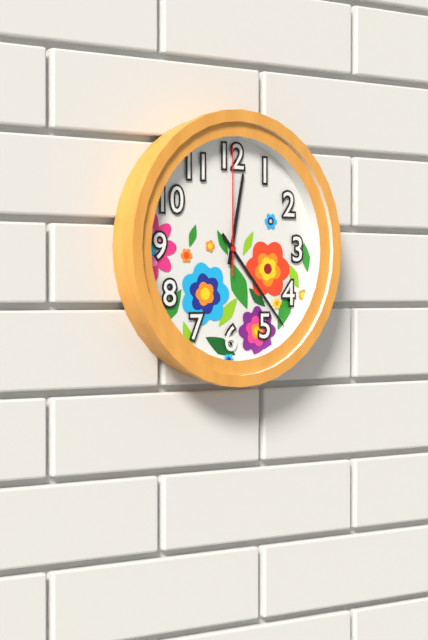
**12:23:00**
